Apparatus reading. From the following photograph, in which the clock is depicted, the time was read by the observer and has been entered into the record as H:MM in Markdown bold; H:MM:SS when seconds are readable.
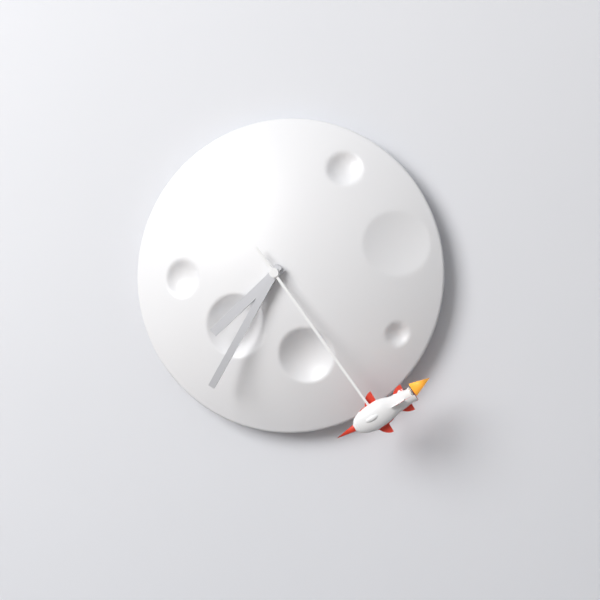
**7:35:24**
